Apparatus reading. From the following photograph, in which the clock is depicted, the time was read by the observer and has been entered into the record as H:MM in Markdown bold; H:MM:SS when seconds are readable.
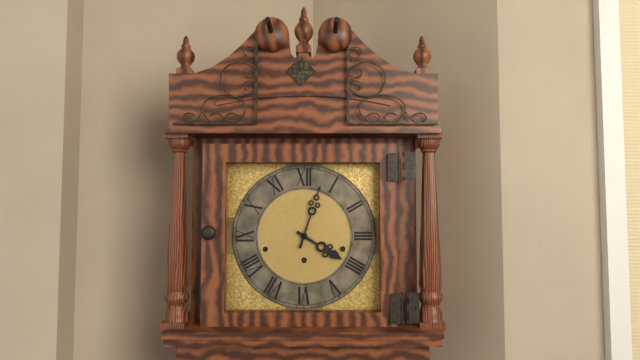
**4:03**
